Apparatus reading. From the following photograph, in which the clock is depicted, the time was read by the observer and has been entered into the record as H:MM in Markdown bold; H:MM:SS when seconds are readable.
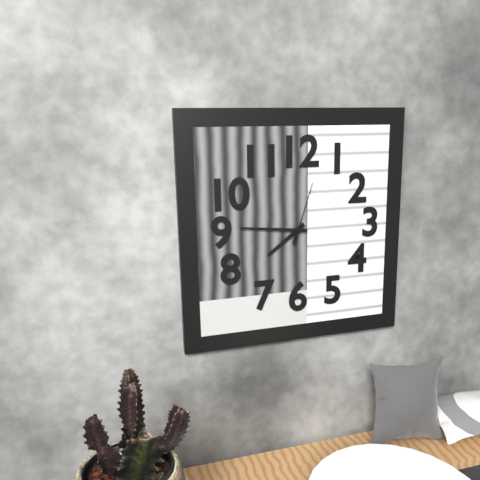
**7:46:03**
